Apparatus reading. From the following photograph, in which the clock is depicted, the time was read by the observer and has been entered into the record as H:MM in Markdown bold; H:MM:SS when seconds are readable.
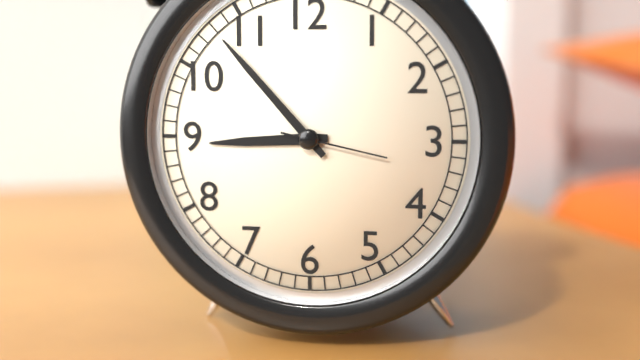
**8:53:17**
